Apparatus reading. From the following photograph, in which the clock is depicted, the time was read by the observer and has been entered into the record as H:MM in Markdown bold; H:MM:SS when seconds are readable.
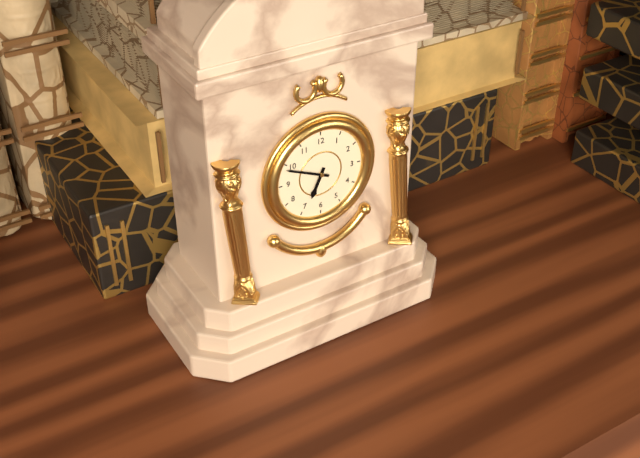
**6:49**
